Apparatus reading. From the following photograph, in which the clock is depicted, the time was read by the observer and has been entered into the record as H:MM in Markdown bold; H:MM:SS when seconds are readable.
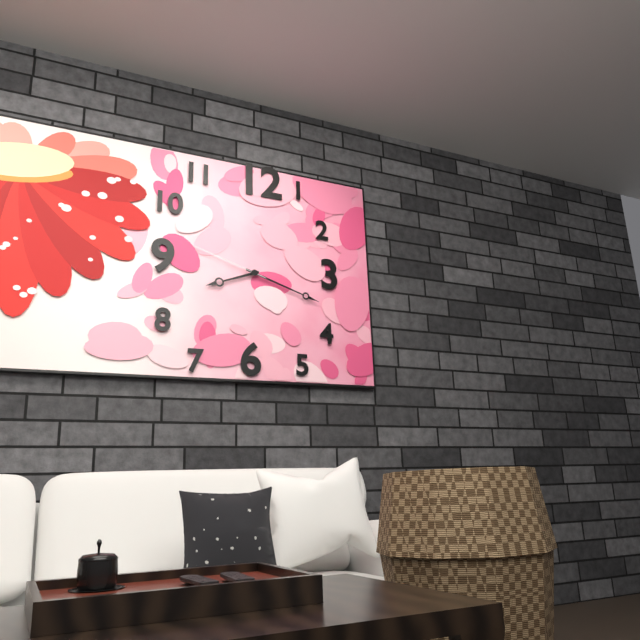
**8:18:48**
